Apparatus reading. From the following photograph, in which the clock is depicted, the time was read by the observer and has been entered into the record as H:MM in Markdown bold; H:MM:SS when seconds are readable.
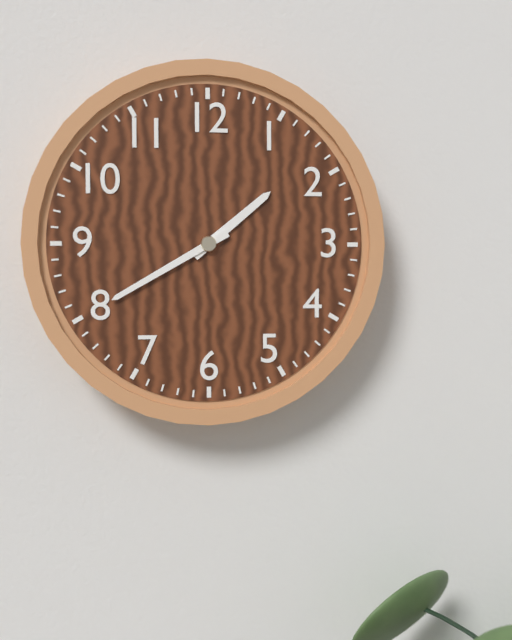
**1:40**
